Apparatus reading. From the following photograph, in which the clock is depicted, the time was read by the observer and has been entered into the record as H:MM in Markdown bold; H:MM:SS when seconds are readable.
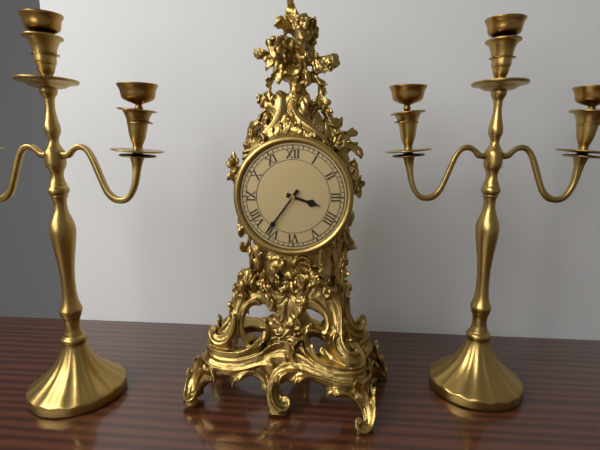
**3:36**
